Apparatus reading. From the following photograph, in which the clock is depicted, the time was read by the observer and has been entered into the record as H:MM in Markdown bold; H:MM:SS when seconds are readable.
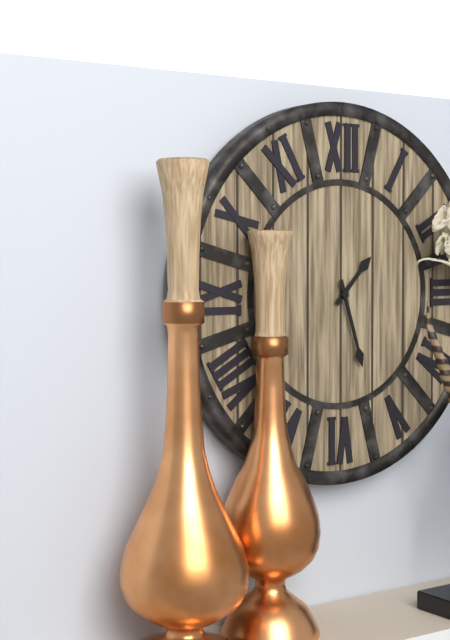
**1:27**
